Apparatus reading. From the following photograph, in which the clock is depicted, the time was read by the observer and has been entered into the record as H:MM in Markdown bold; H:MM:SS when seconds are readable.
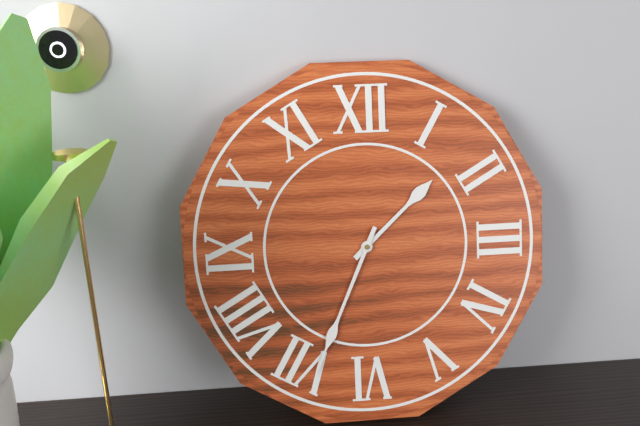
**1:34**
